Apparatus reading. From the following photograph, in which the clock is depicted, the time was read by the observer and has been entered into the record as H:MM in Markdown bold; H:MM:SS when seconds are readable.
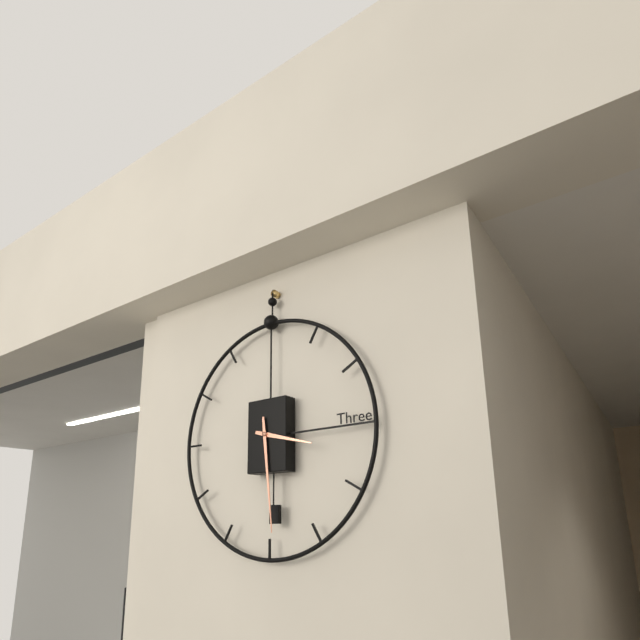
**3:29**
